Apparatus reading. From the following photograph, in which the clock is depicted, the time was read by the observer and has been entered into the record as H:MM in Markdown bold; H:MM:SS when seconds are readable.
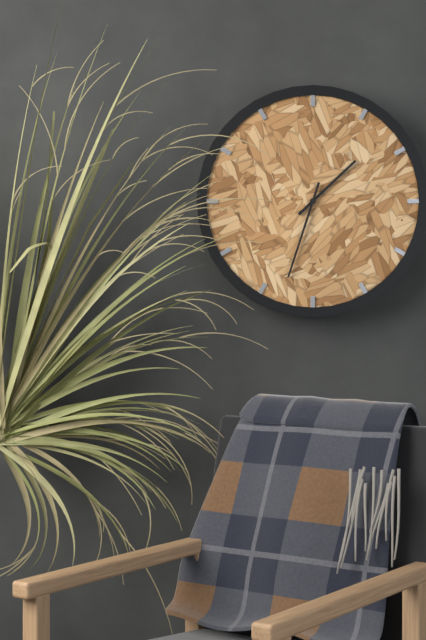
**1:33**
